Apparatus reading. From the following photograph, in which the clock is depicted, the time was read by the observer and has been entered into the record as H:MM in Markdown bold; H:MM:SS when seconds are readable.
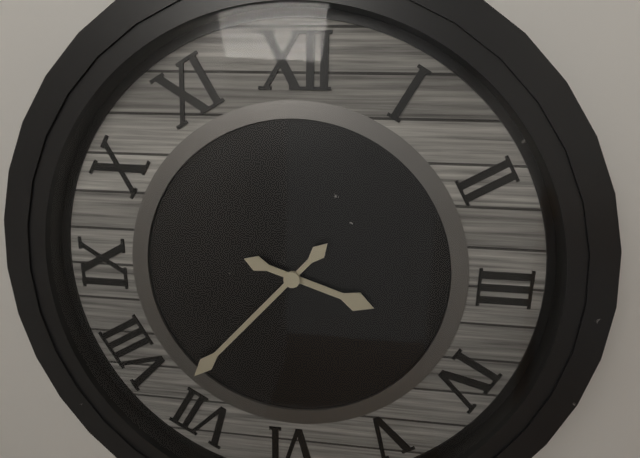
**3:37**
